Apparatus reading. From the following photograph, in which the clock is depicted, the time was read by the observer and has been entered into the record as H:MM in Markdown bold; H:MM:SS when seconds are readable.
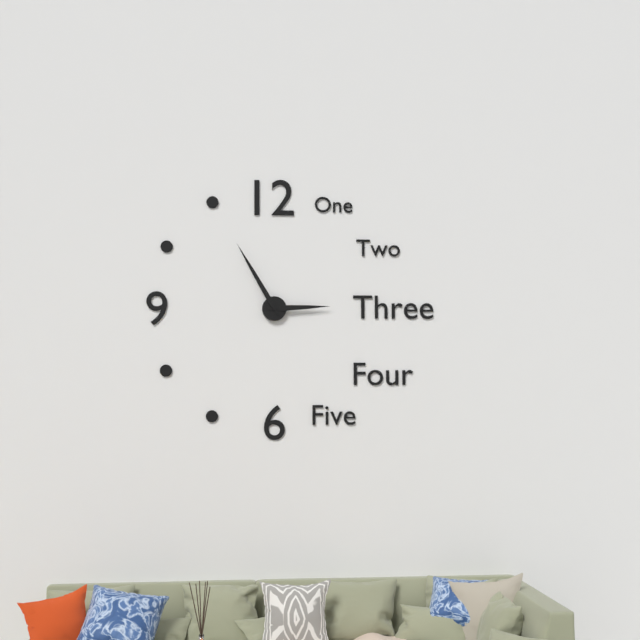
**2:55**
